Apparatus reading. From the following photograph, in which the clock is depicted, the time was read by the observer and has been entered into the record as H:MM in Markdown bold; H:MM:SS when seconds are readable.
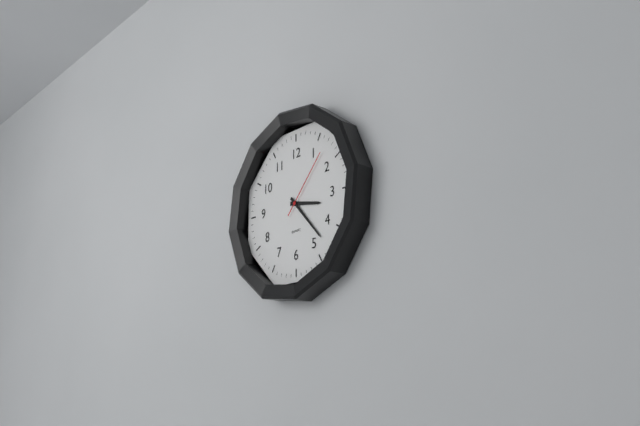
**3:23:07**
